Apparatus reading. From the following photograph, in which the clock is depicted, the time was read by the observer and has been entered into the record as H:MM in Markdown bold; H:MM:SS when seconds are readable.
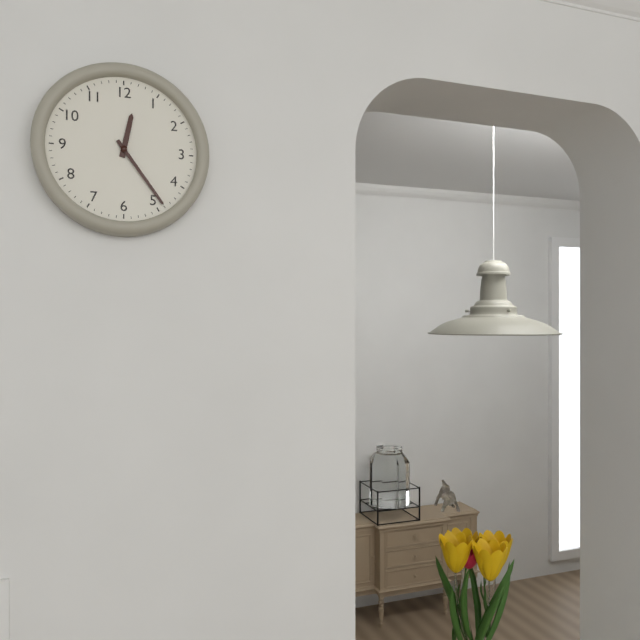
**12:24**
